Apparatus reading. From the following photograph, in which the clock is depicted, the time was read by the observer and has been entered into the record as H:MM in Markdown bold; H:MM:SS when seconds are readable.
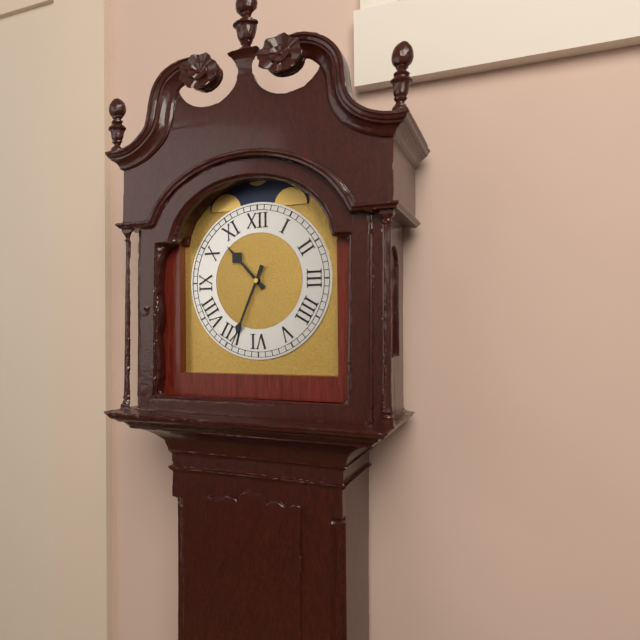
**10:34**
